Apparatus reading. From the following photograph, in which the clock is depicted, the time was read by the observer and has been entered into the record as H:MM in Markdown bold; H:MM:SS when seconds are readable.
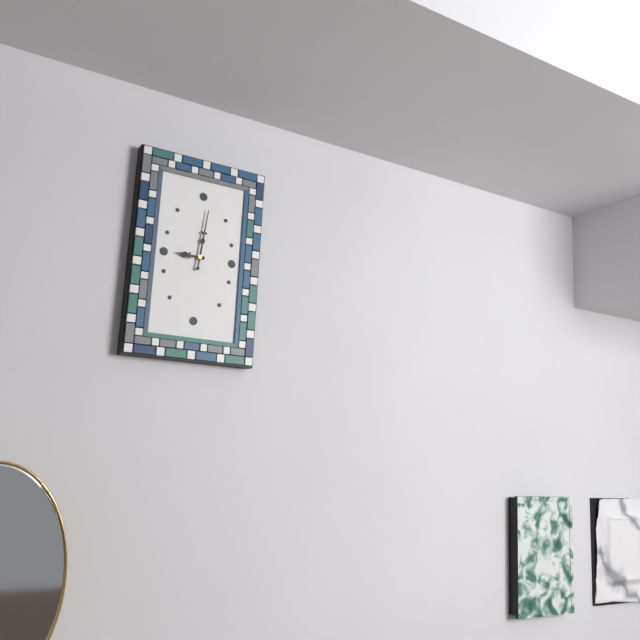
**9:01**
